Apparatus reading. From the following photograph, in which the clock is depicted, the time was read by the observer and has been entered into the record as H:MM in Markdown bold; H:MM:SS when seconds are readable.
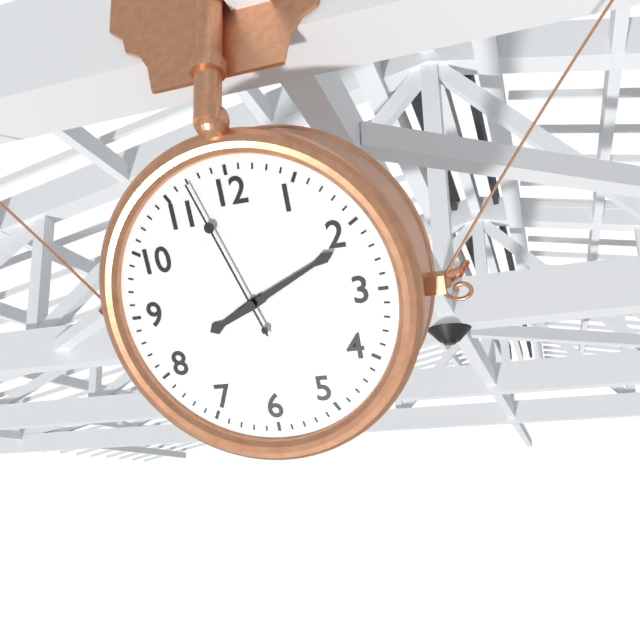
**8:11:57**
